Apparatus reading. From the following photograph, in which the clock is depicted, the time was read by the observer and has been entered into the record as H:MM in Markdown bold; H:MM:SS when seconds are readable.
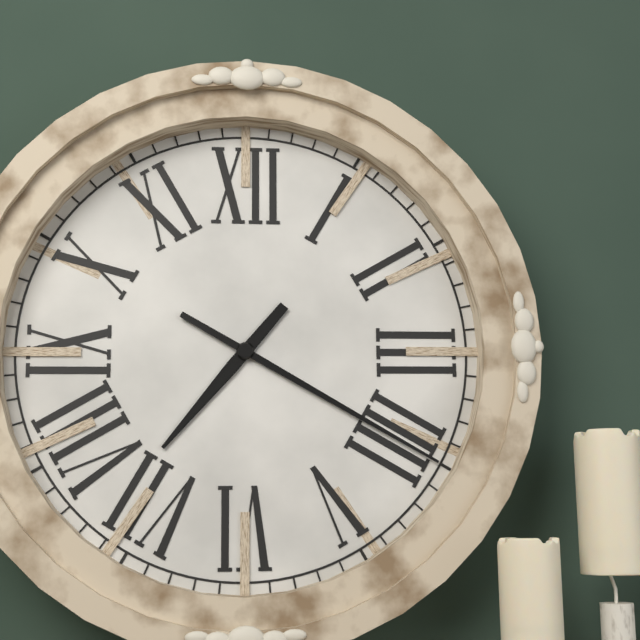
**7:20**
